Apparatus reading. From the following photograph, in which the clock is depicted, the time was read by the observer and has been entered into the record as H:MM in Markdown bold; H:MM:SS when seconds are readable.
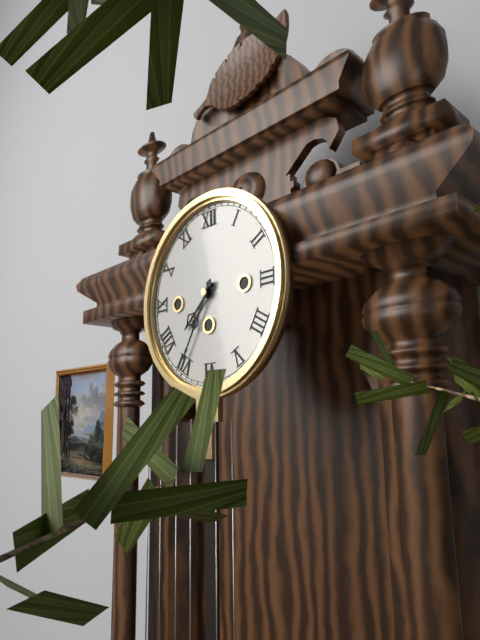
**7:35**
